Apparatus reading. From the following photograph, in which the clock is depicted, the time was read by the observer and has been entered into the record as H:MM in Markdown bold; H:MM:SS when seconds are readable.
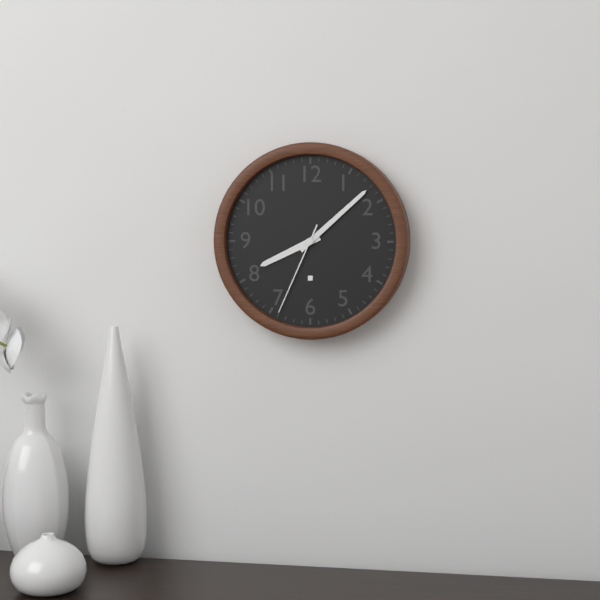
**8:08:34**
